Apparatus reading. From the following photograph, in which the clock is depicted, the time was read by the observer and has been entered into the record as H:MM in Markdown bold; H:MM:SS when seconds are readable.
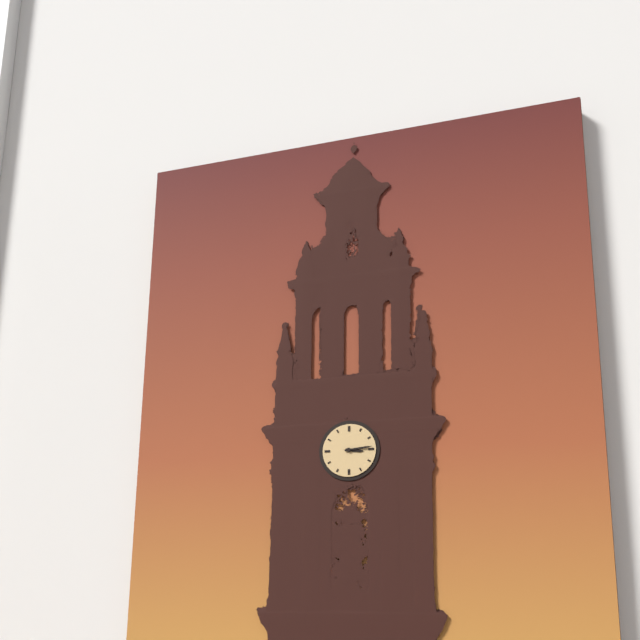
**3:14**
